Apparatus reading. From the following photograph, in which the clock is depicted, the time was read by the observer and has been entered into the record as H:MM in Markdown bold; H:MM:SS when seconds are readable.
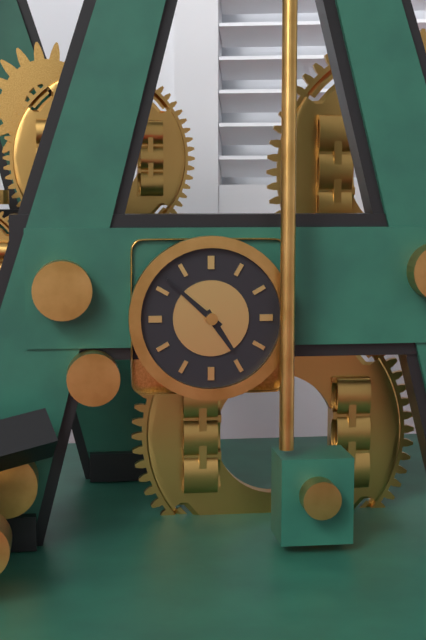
**4:52**
